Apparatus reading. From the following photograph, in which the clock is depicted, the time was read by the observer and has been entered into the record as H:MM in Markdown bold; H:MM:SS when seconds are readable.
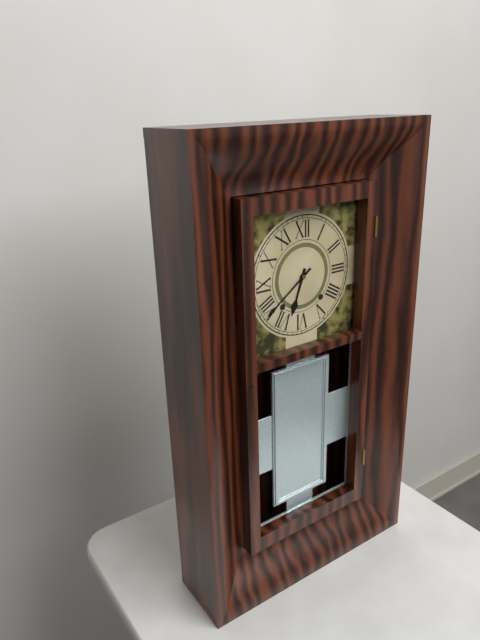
**6:39**
